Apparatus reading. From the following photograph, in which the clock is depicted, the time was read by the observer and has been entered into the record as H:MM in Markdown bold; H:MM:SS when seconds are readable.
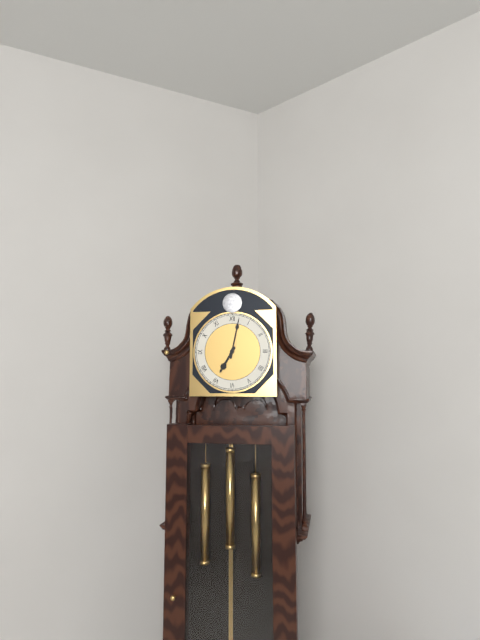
**7:02**
